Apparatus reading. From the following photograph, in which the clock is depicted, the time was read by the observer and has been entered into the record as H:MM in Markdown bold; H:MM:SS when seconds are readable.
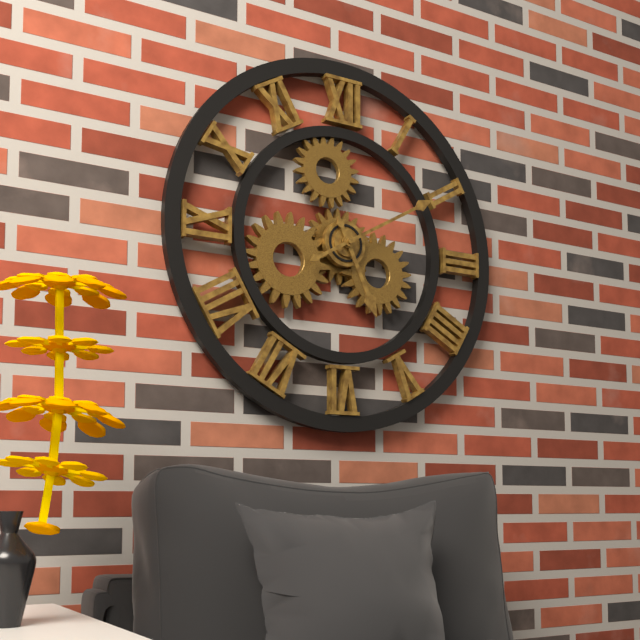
**5:10**
